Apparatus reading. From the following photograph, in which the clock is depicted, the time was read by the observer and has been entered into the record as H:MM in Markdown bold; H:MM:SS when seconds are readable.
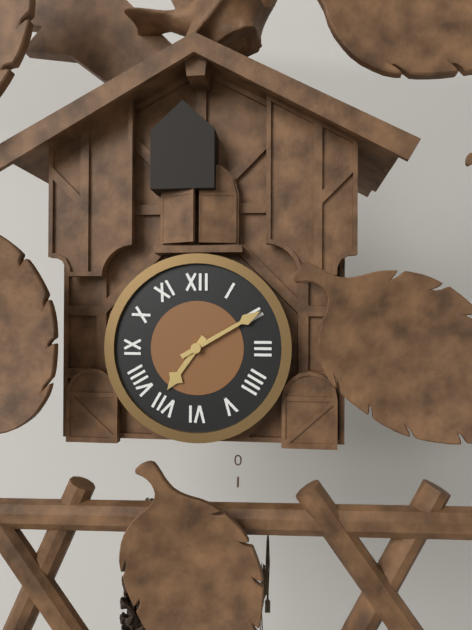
**7:10**
